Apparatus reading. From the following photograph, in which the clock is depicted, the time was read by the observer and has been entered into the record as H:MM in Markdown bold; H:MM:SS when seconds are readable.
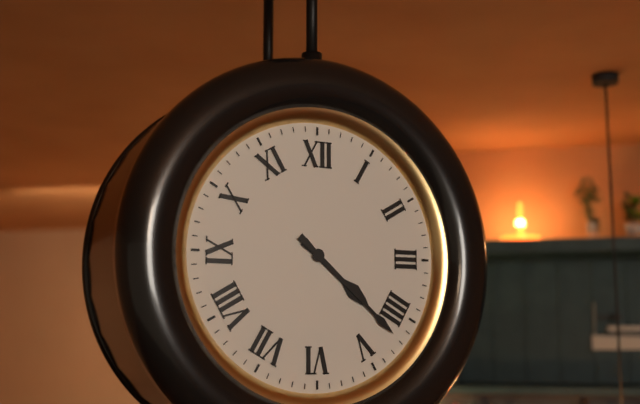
**4:22**
